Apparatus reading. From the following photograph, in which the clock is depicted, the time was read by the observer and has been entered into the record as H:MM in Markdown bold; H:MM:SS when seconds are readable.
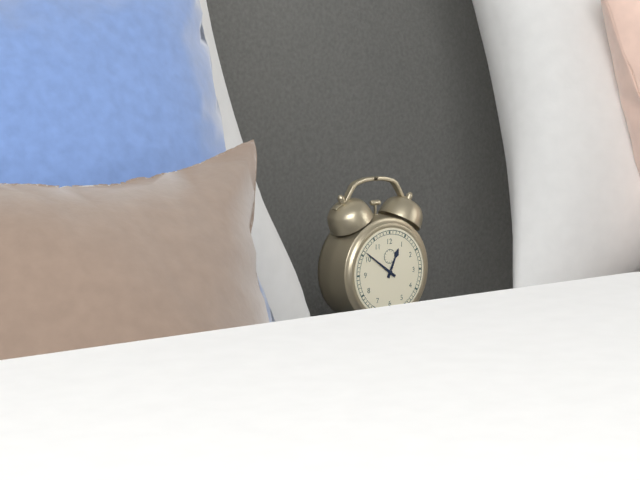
**12:51**
